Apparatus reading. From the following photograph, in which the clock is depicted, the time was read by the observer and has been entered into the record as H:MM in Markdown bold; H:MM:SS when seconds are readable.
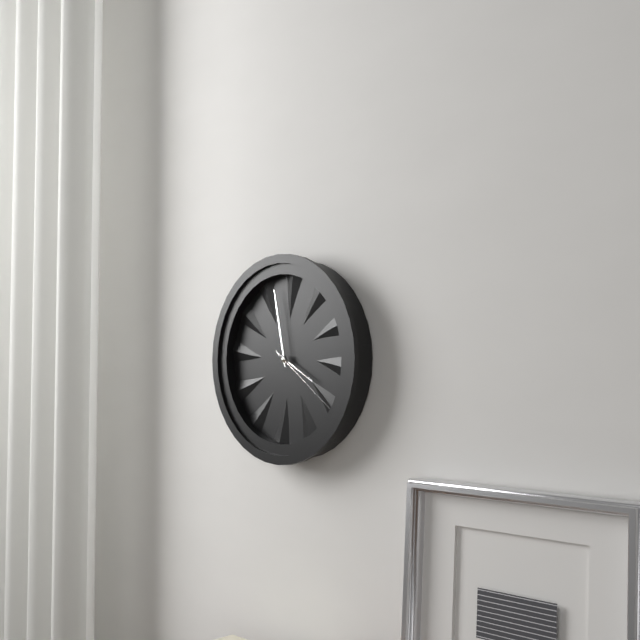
**3:58:21**
